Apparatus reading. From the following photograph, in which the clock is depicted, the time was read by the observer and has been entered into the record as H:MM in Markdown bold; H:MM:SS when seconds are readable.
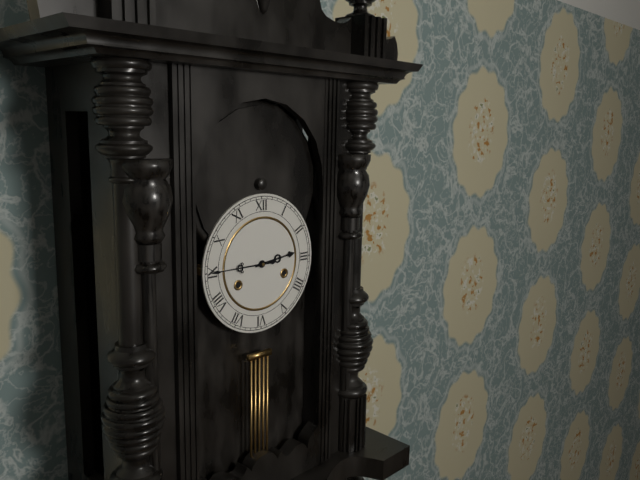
**2:45**
